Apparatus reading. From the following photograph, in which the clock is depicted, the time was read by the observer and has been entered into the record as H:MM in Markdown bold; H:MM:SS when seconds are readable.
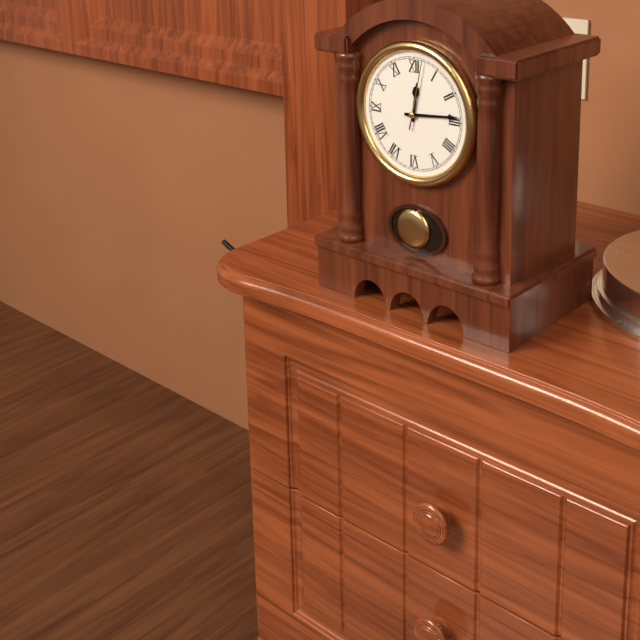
**12:14:02**
